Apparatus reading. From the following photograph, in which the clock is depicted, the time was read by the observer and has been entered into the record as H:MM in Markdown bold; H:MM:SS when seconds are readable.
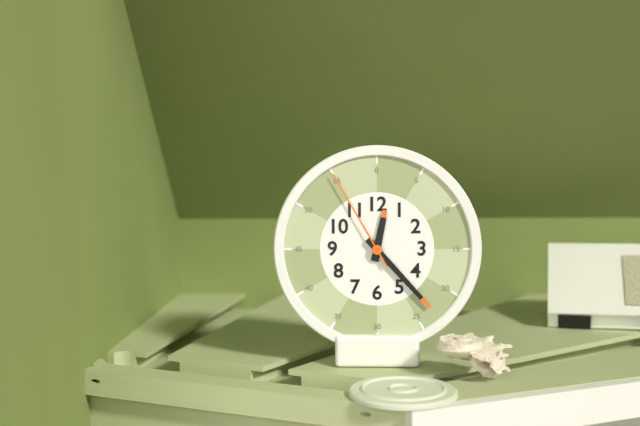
**12:23:55**
